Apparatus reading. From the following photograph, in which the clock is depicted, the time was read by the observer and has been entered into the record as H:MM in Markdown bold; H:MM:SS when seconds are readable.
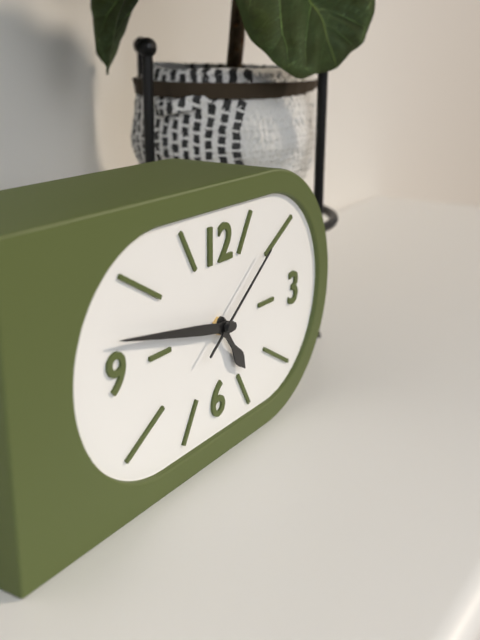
**4:47:09**
